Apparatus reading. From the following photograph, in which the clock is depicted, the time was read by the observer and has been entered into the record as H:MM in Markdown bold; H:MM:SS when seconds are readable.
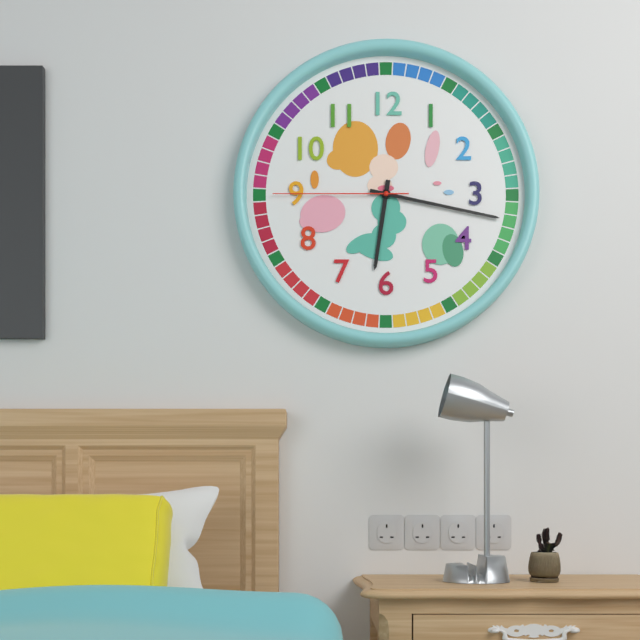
**6:17:45**
